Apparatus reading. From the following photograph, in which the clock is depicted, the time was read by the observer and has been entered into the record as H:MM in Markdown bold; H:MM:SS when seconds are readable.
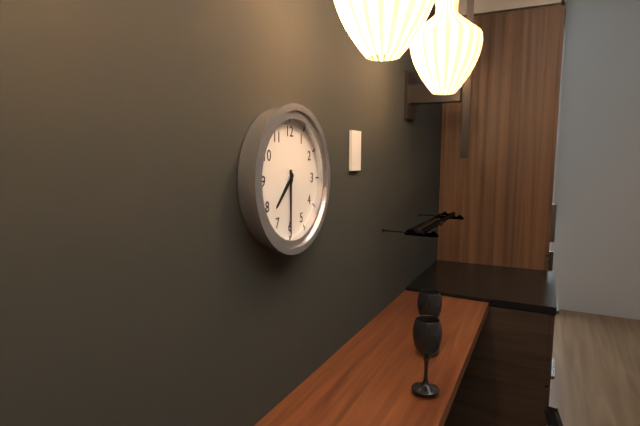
**7:30**
